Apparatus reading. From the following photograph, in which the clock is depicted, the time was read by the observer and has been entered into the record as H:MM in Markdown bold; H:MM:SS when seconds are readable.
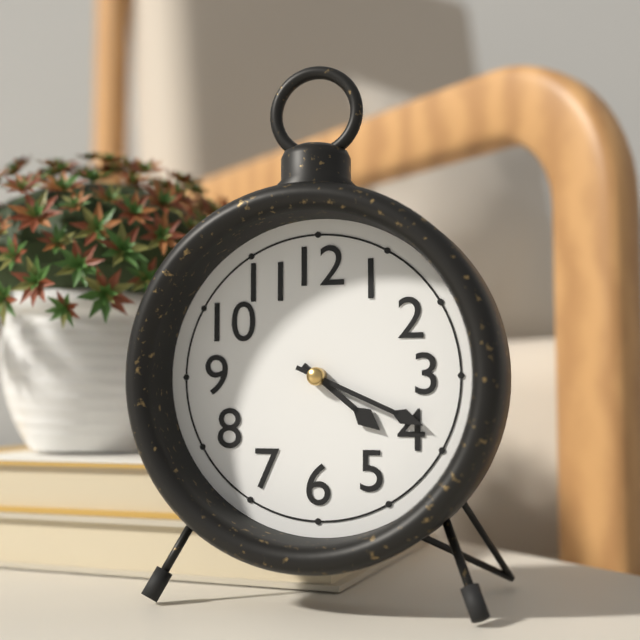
**4:19**
